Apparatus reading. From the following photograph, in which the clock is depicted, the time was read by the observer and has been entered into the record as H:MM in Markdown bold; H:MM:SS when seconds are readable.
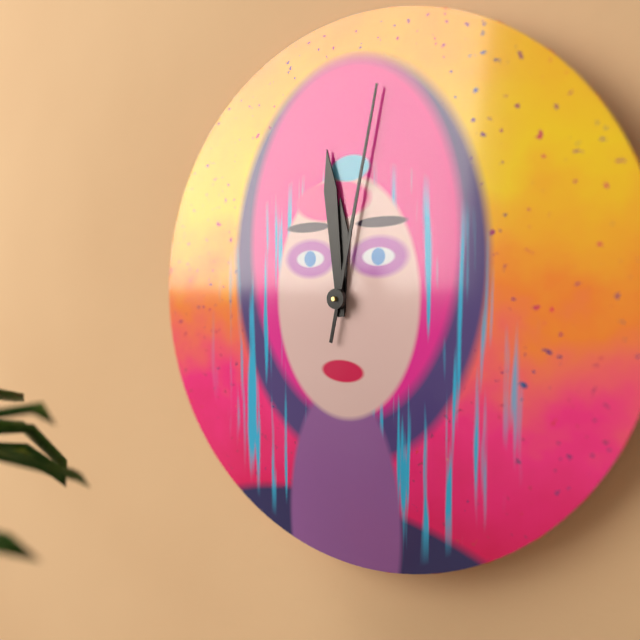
**11:59:02**
